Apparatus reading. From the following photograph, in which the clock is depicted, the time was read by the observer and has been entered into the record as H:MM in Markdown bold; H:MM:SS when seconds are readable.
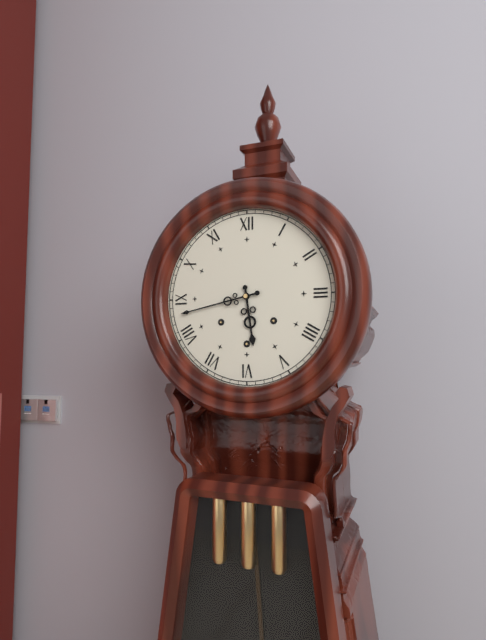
**5:43**
